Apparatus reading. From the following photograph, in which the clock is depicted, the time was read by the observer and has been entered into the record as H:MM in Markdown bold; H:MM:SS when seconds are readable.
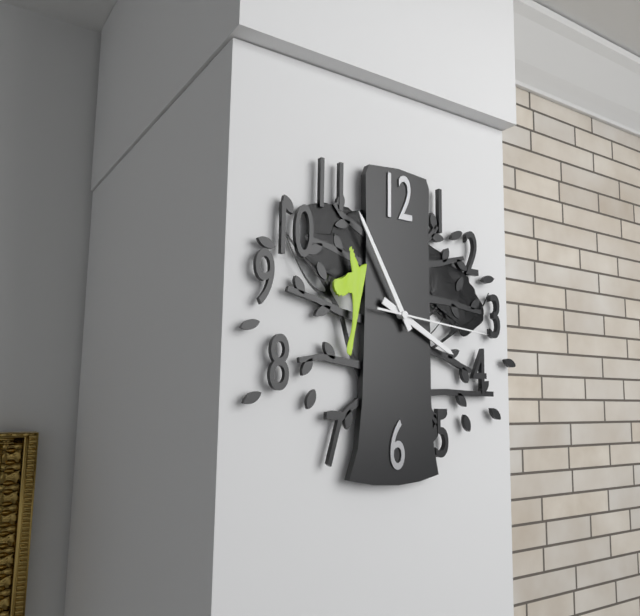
**3:55:16**
